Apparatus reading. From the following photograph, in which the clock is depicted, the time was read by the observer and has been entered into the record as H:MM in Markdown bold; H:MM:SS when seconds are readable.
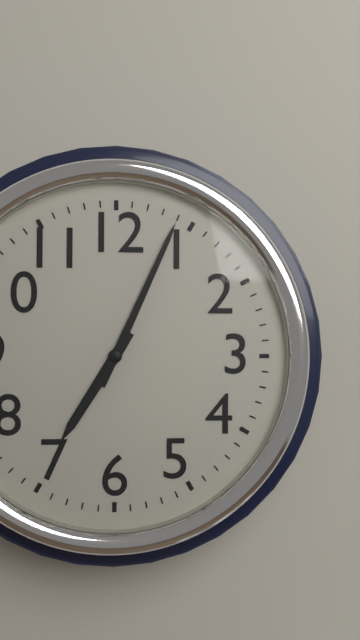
**7:04**
